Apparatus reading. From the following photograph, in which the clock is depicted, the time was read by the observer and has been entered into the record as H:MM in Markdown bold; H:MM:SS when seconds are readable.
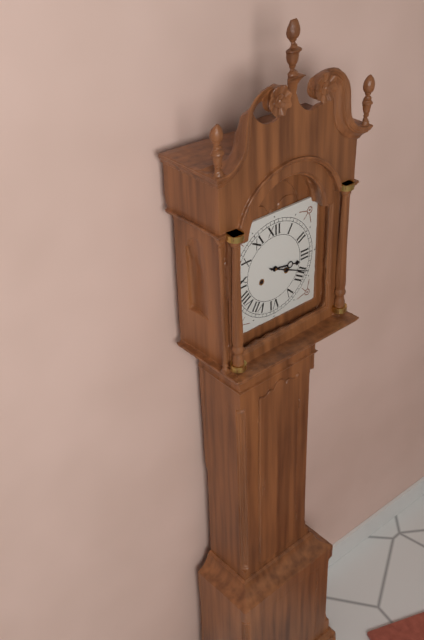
**3:19**
